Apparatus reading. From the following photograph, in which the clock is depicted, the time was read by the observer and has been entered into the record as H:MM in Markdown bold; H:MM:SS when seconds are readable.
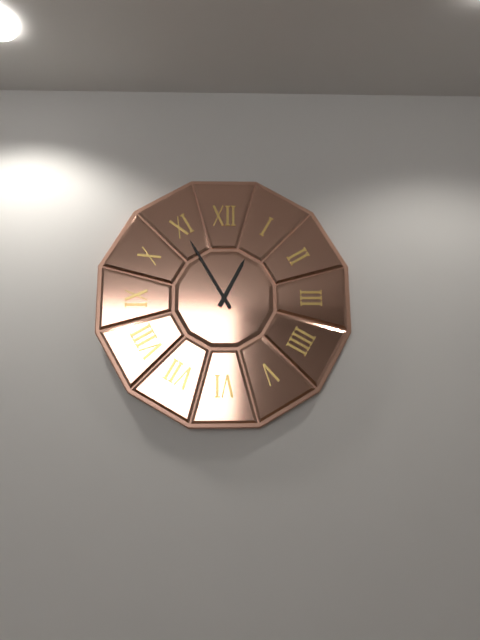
**12:55**
